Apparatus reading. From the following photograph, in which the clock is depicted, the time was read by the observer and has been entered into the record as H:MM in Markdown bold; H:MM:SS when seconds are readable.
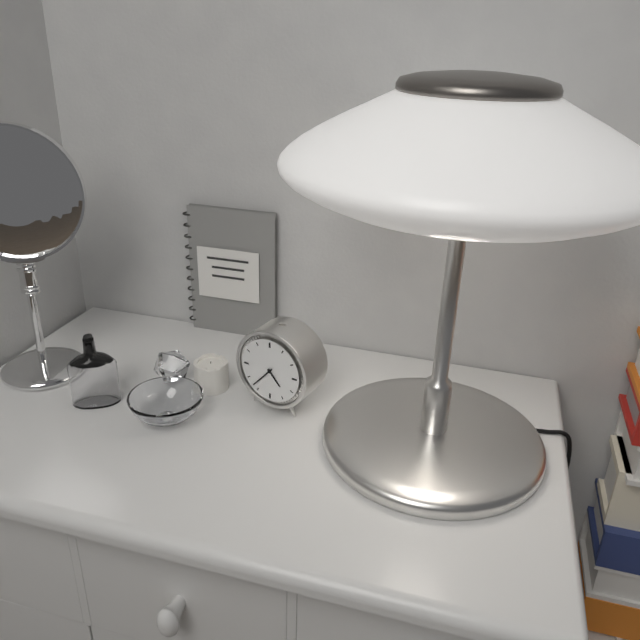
**4:37**
